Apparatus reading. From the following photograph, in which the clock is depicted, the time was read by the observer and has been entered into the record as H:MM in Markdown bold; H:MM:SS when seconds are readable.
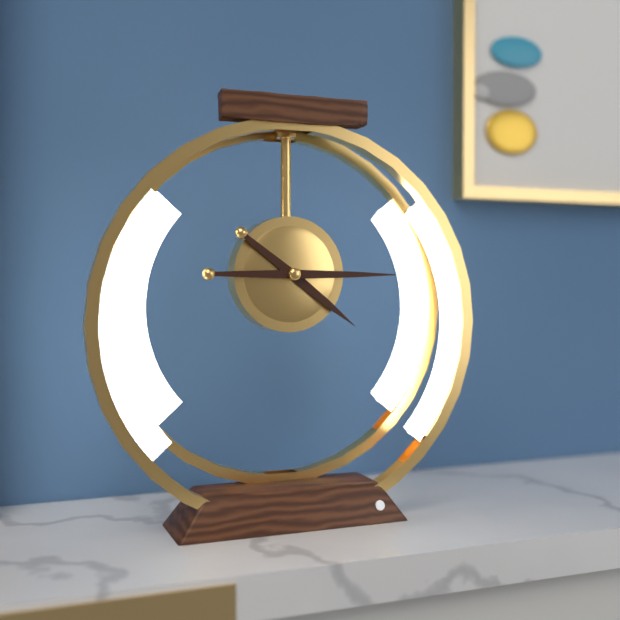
**4:15**
